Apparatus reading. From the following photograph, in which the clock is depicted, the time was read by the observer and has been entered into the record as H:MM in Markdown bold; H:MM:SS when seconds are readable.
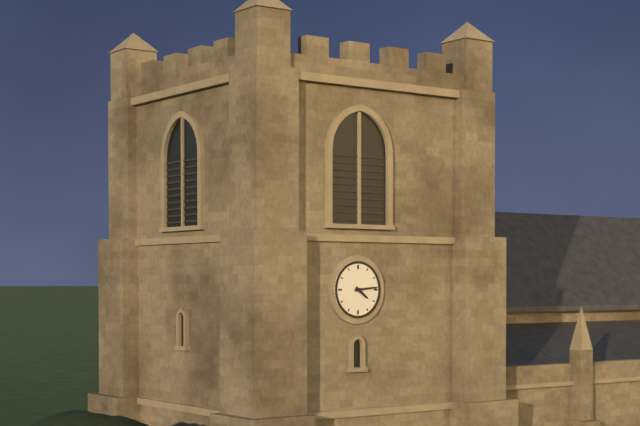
**4:14**
